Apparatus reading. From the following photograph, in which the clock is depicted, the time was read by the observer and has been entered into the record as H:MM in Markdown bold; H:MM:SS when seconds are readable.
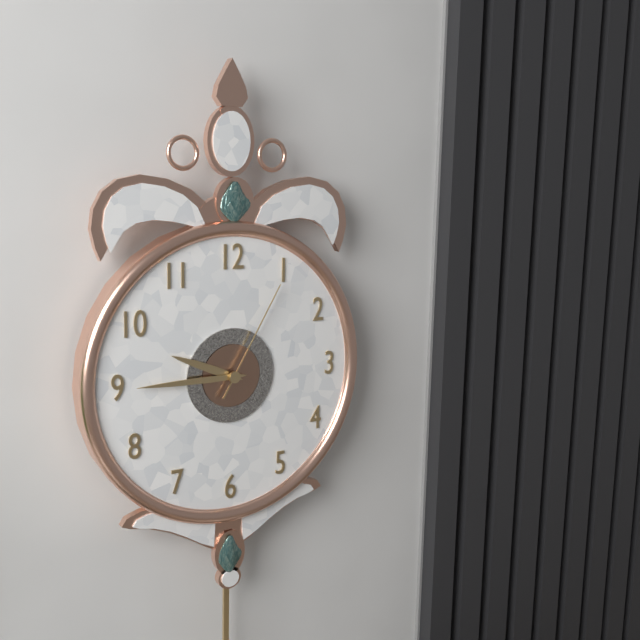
**9:45:05**
